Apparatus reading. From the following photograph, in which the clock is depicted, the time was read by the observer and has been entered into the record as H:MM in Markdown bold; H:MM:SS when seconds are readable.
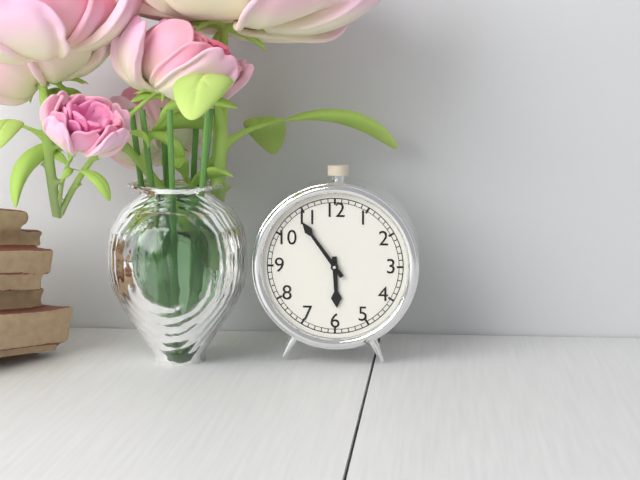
**5:54**
